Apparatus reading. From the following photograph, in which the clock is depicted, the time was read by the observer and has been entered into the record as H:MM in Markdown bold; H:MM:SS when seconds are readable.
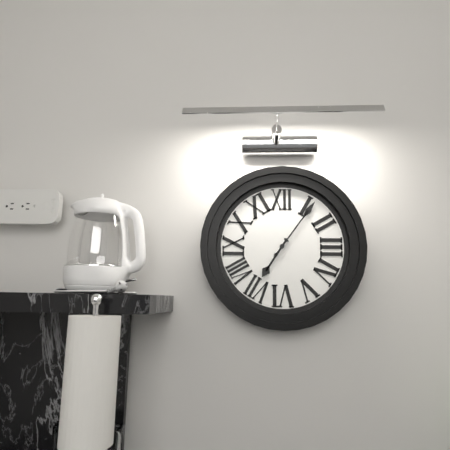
**7:06**
